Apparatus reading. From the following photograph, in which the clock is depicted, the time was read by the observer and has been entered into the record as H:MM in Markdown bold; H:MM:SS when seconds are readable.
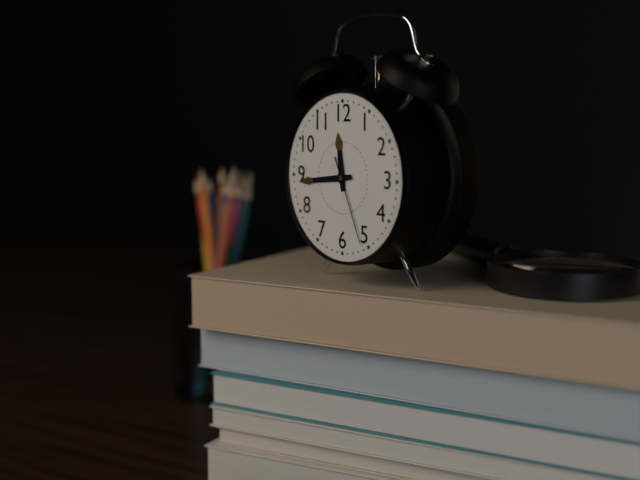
**11:44:26**
